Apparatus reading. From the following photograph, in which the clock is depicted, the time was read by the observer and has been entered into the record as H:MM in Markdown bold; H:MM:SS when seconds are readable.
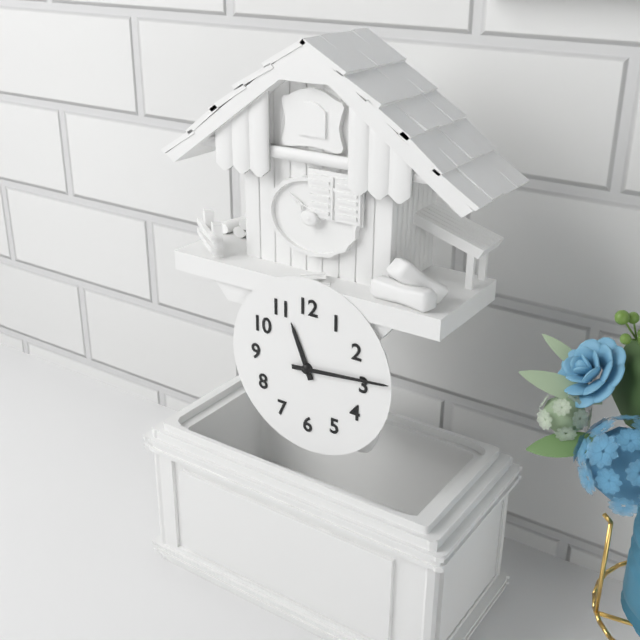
**11:14**
